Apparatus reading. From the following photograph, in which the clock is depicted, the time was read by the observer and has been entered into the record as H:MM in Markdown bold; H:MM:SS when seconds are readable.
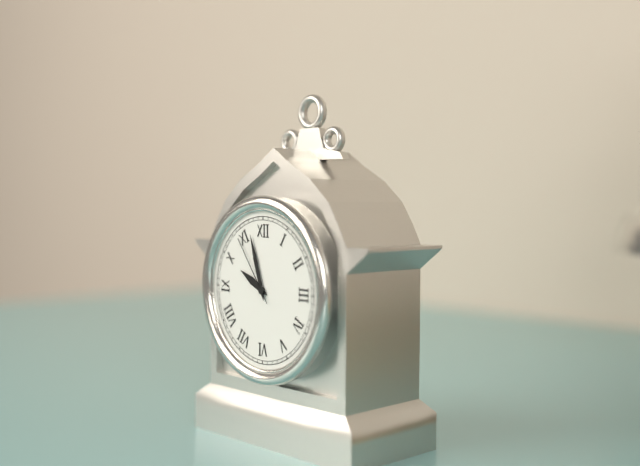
**9:57:54**
